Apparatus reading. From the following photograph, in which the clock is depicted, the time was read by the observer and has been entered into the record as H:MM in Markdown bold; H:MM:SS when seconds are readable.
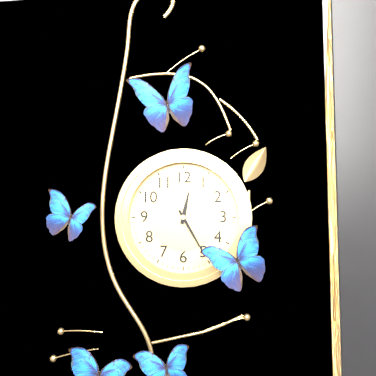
**12:25**
